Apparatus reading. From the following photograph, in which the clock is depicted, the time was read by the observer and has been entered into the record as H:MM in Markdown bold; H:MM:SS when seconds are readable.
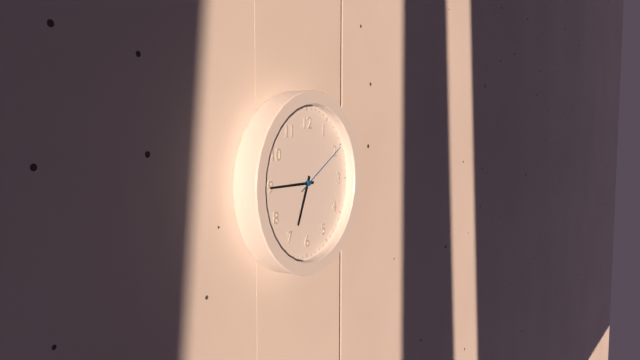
**6:45:10**
